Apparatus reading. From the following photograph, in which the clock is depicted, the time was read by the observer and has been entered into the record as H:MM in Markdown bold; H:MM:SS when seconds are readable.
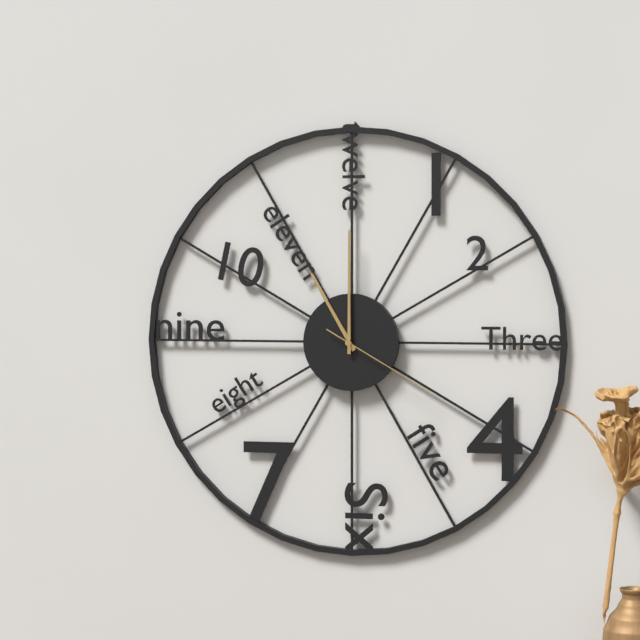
**11:00:20**
